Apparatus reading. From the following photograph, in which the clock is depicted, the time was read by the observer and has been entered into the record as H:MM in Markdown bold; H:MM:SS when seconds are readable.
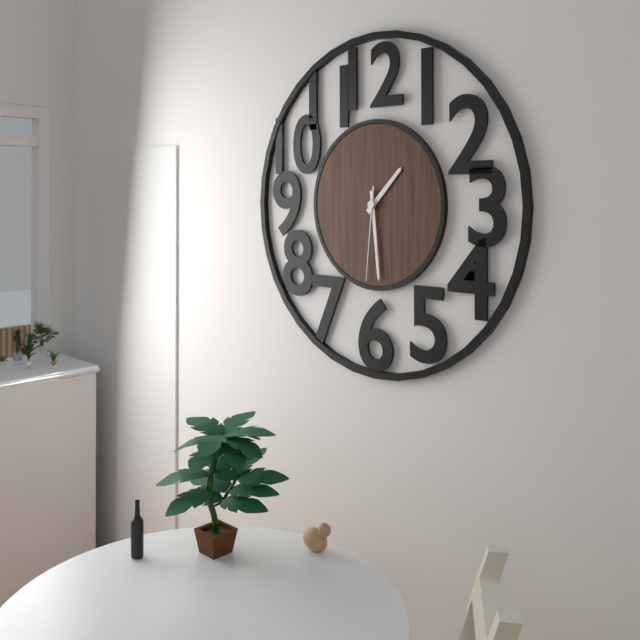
**1:29:31**
